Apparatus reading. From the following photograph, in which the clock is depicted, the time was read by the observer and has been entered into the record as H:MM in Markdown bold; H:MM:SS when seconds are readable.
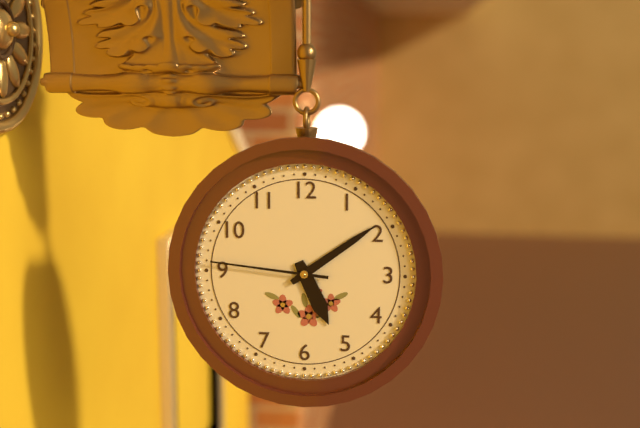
**5:09:46**
